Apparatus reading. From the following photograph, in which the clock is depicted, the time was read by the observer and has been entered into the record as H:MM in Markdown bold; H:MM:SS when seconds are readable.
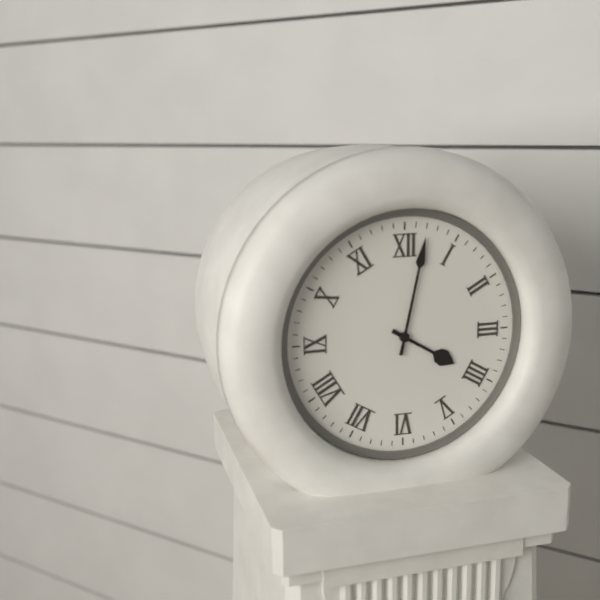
**4:02**
